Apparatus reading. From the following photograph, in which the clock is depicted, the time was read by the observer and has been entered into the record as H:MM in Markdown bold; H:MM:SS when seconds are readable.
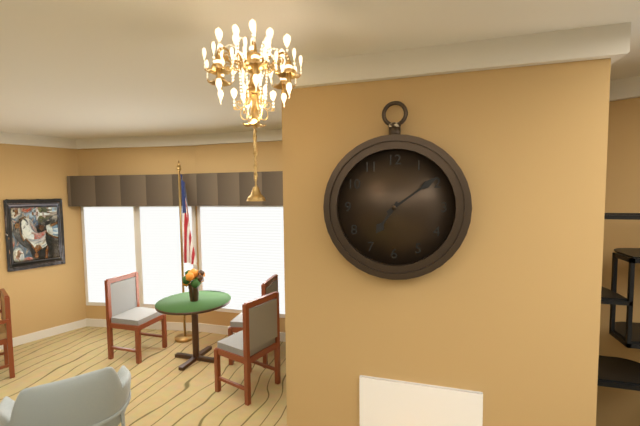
**7:09**
